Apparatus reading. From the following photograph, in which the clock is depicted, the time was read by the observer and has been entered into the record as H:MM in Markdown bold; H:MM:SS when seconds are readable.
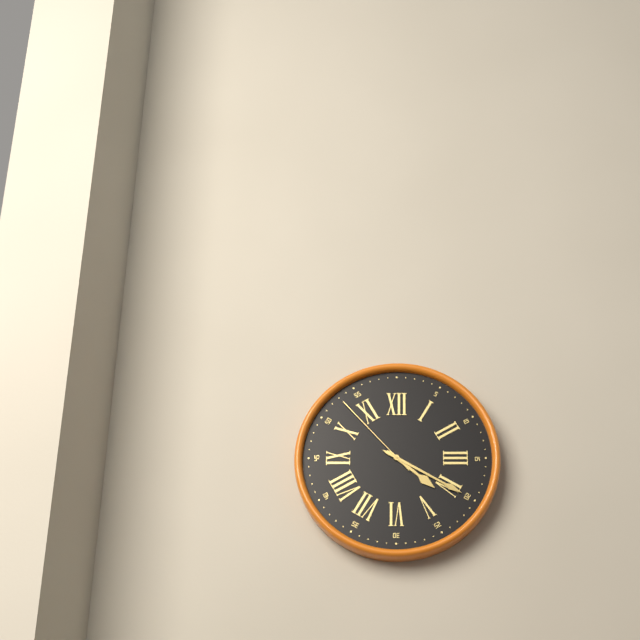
**4:20:53**
